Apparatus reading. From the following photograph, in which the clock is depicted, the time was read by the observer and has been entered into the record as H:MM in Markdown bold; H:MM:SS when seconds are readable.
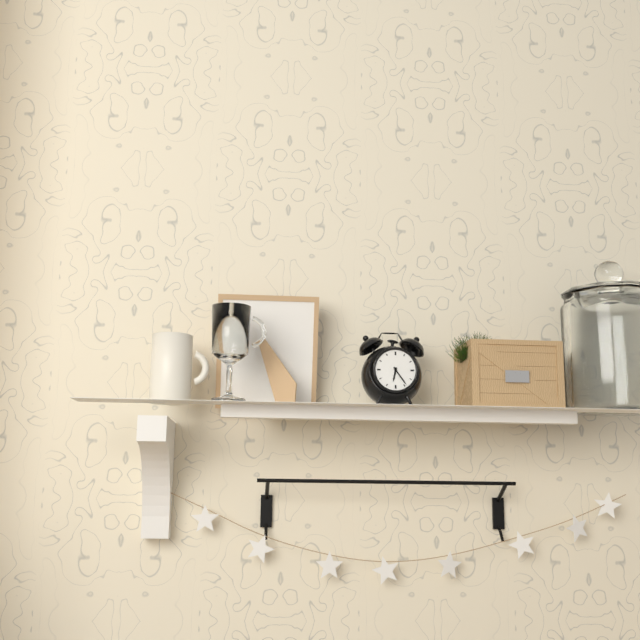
**6:24**
